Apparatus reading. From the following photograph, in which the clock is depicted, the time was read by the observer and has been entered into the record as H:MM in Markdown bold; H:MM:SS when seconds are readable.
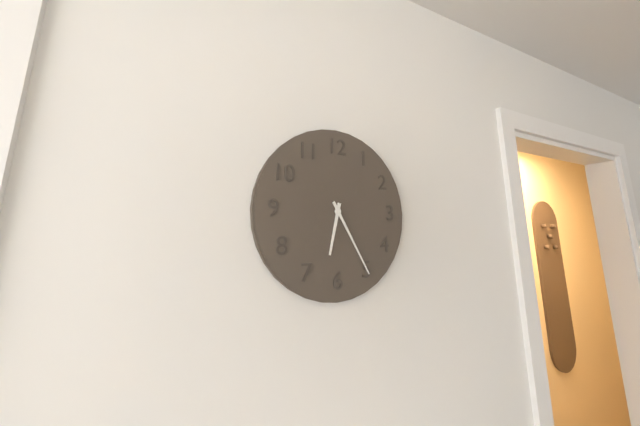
**6:25**
